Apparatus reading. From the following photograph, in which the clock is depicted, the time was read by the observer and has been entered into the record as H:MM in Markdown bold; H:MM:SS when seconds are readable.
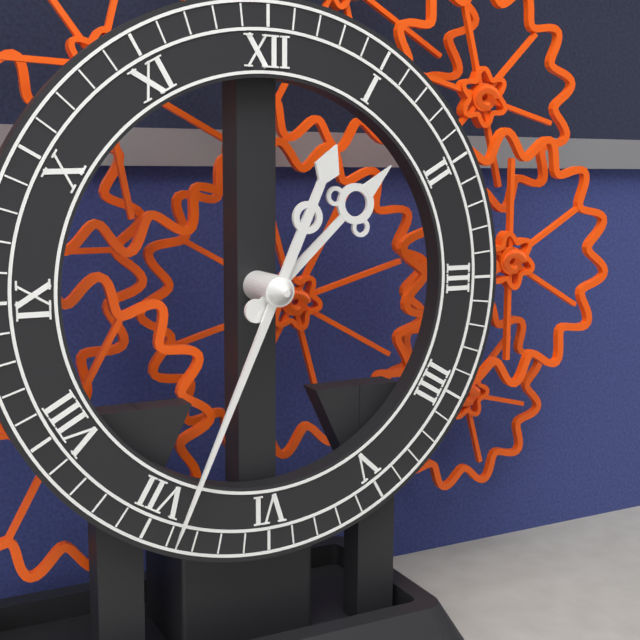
**1:34**
